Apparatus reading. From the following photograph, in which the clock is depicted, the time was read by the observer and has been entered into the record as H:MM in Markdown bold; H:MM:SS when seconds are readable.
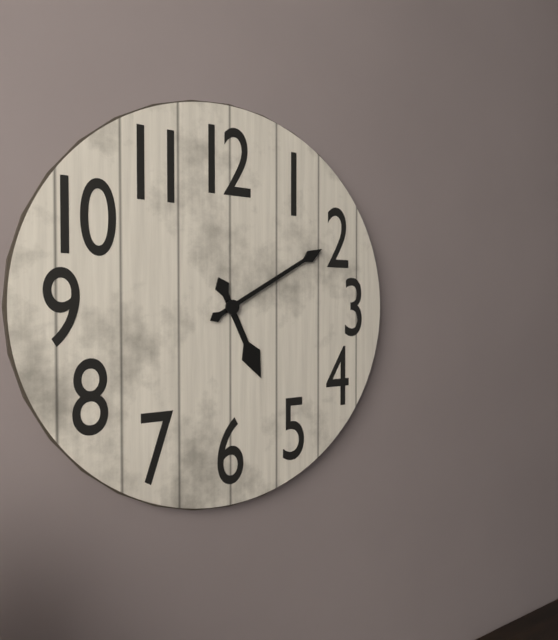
**5:10**
